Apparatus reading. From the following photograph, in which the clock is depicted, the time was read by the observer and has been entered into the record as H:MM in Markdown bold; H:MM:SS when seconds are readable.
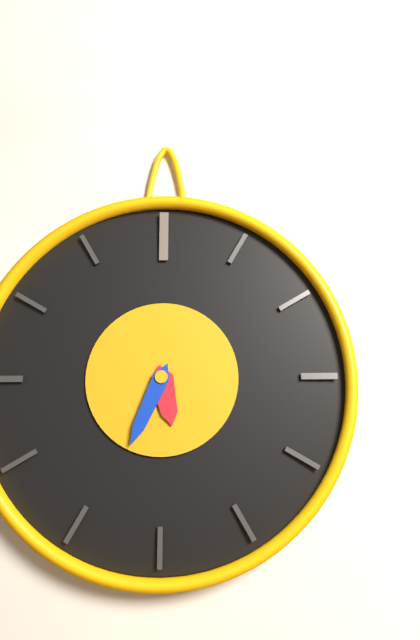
**5:34**
